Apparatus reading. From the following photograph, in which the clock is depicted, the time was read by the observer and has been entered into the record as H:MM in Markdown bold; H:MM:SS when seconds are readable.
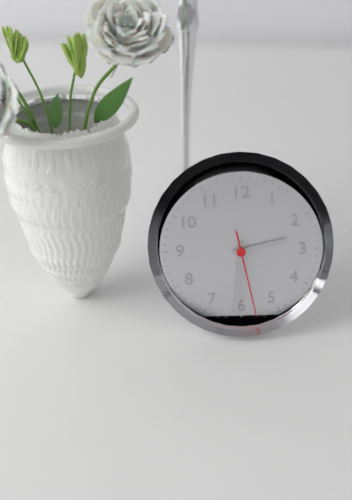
**2:31:28**
